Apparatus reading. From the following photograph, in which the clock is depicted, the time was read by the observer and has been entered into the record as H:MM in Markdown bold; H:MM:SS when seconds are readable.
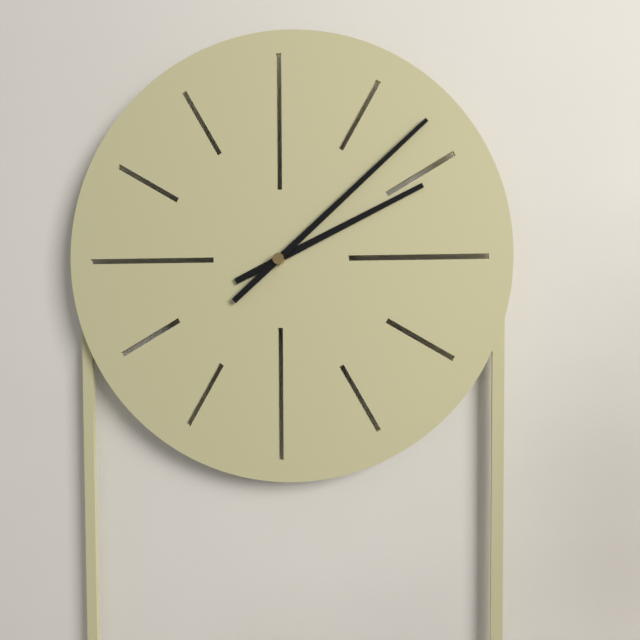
**2:08**
